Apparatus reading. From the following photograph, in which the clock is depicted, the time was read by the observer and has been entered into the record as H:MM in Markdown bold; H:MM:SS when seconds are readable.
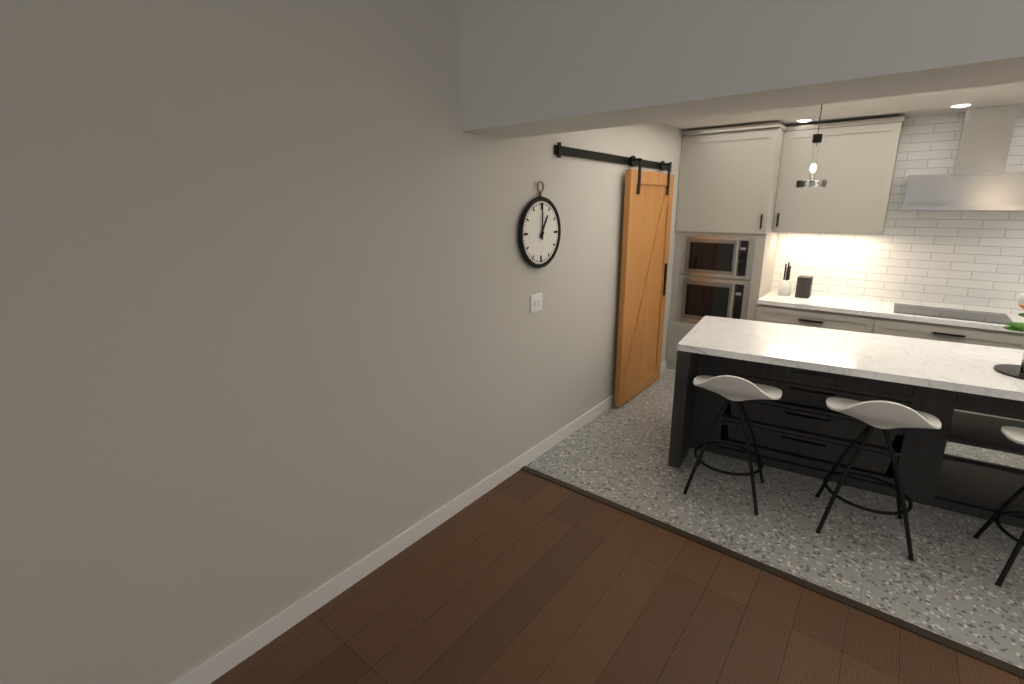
**1:00**
